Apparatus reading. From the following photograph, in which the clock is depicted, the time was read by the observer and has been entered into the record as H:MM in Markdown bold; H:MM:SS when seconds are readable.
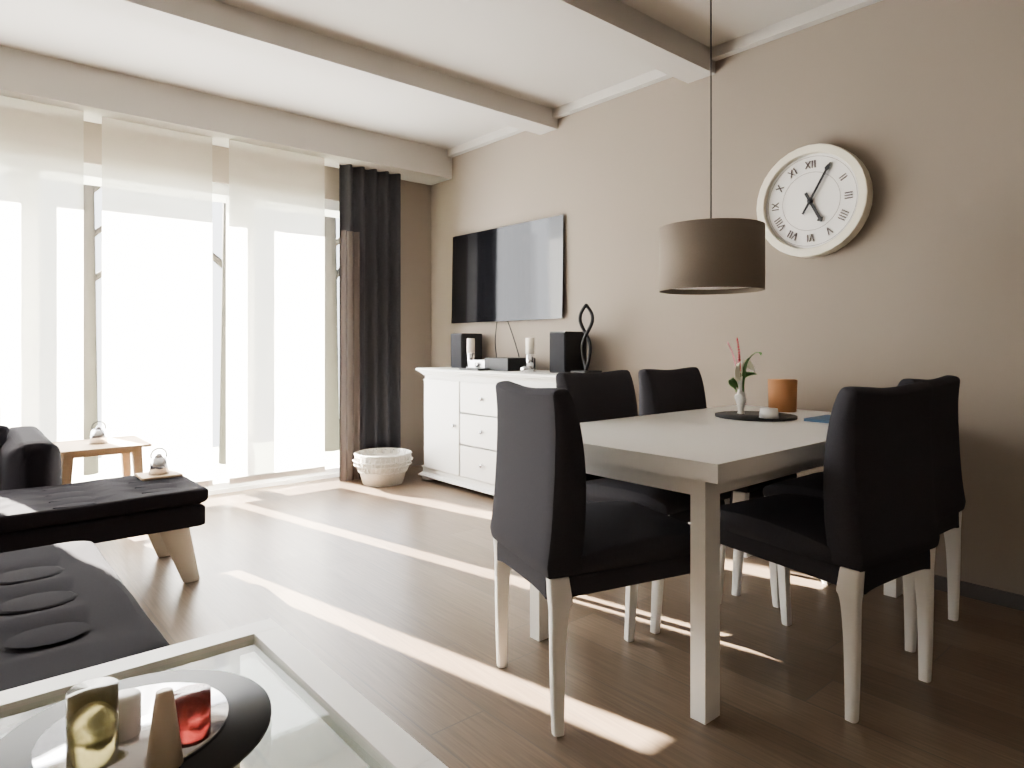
**5:05**
